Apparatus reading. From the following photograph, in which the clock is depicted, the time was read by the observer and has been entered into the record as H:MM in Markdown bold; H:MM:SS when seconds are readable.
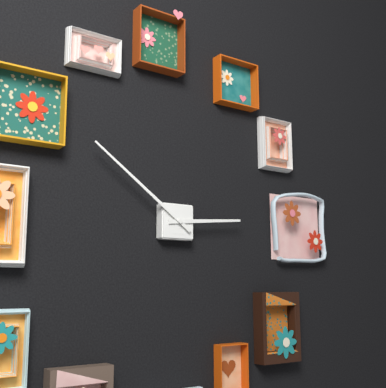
**2:51**
